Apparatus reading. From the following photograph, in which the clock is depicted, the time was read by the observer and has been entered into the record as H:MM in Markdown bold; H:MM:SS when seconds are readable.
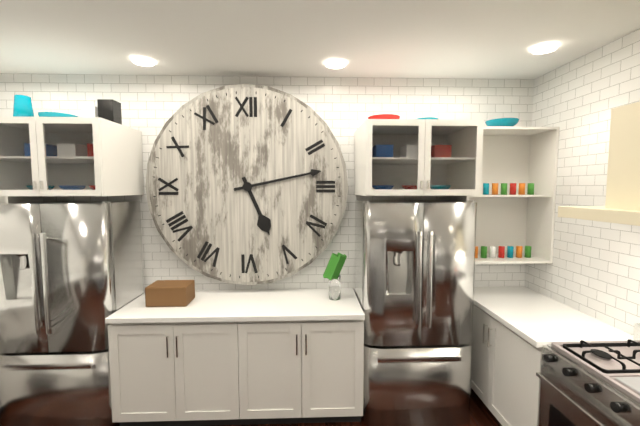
**5:13**
